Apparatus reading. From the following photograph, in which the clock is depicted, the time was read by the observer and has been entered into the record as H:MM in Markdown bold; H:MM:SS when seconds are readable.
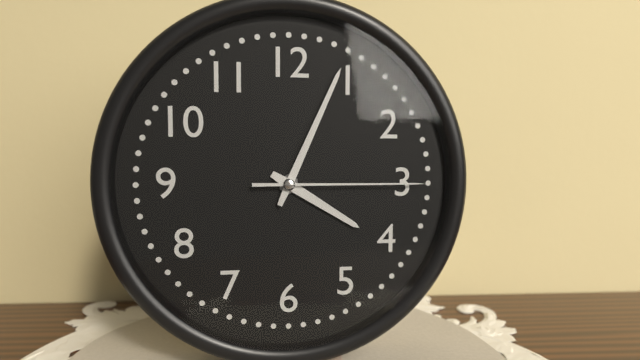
**4:04:15**
